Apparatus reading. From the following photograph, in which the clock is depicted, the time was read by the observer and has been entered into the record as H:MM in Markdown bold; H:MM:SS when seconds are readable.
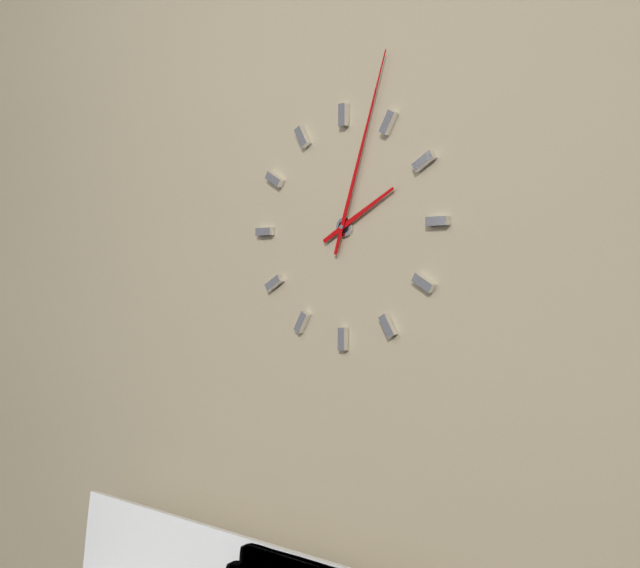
**2:03**
